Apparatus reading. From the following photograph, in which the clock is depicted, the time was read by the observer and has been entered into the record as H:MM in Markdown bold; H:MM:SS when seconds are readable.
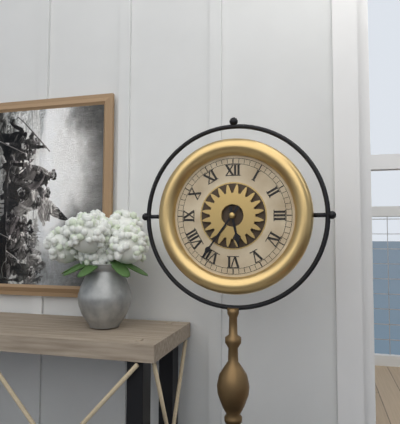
**5:36**
